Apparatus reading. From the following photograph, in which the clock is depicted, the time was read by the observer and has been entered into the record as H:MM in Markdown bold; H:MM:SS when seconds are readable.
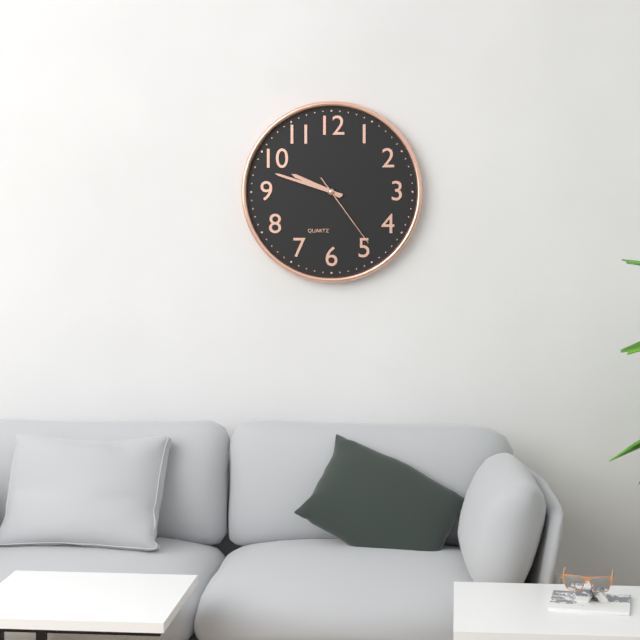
**9:48:24**
